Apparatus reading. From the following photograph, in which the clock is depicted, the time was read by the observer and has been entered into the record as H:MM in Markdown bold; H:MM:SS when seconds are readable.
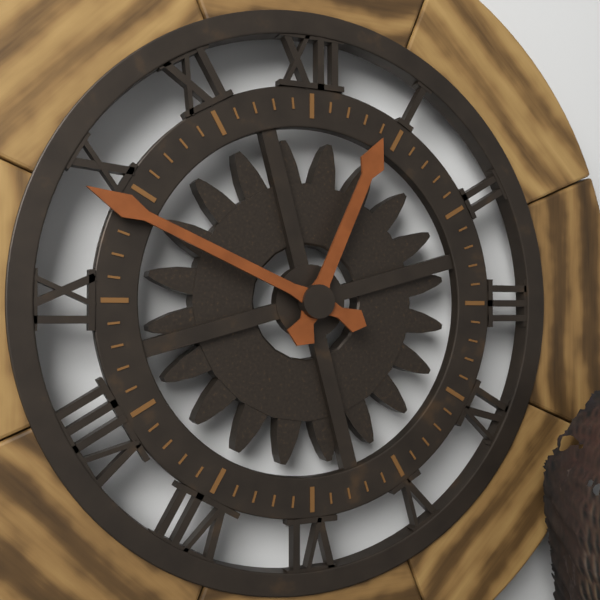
**12:49**
